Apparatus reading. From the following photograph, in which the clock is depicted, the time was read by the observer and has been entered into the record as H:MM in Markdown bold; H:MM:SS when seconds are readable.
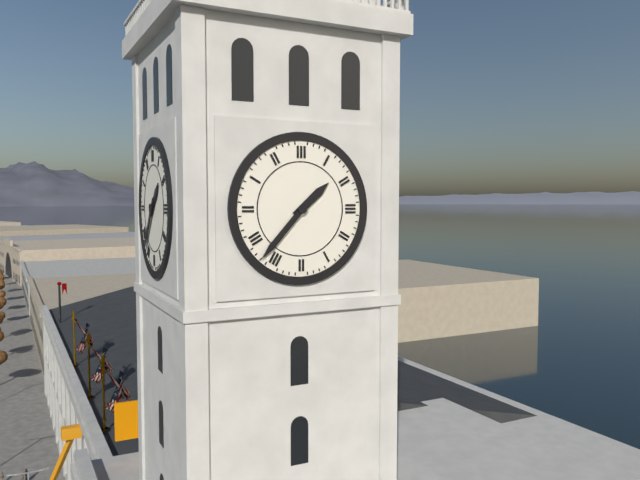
**1:37**
